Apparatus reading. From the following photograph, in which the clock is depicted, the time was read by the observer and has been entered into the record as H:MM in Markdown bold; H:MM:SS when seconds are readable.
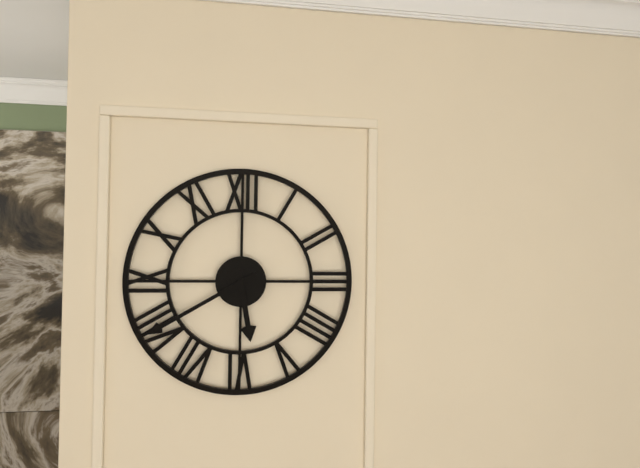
**5:40**
